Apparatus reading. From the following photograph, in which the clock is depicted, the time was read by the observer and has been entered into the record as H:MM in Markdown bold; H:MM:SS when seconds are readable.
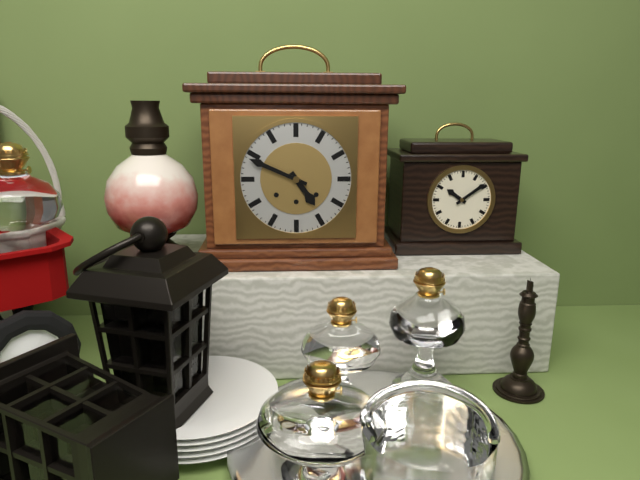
**4:49**
